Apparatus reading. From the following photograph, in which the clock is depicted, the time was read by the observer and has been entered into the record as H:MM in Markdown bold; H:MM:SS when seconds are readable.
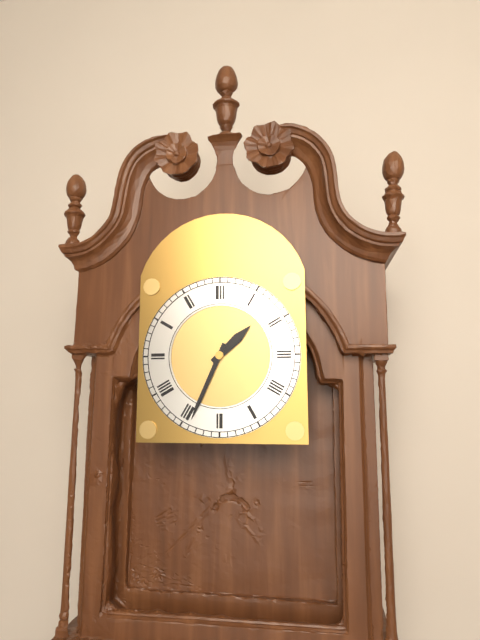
**1:34**
